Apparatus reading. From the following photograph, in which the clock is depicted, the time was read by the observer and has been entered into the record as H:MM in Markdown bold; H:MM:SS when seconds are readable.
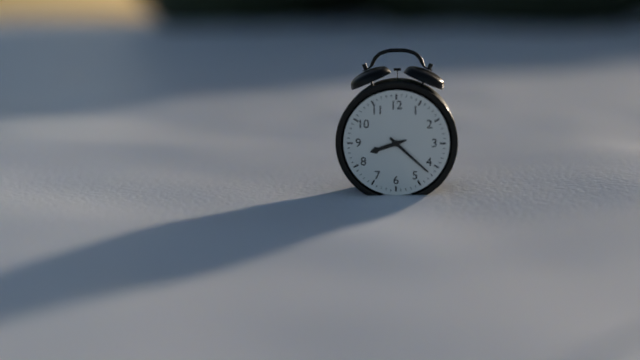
**8:22**
